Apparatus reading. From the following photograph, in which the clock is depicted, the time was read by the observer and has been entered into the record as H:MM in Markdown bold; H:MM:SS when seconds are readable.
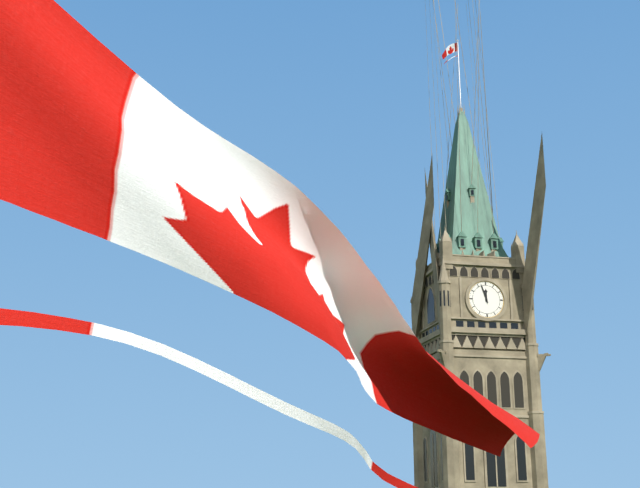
**11:57**
